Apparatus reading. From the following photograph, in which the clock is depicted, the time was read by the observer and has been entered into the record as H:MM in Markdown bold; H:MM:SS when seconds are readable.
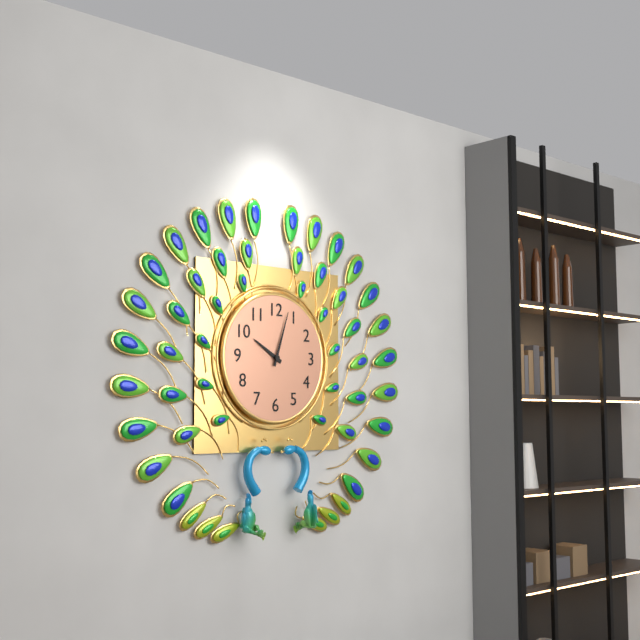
**10:03**
